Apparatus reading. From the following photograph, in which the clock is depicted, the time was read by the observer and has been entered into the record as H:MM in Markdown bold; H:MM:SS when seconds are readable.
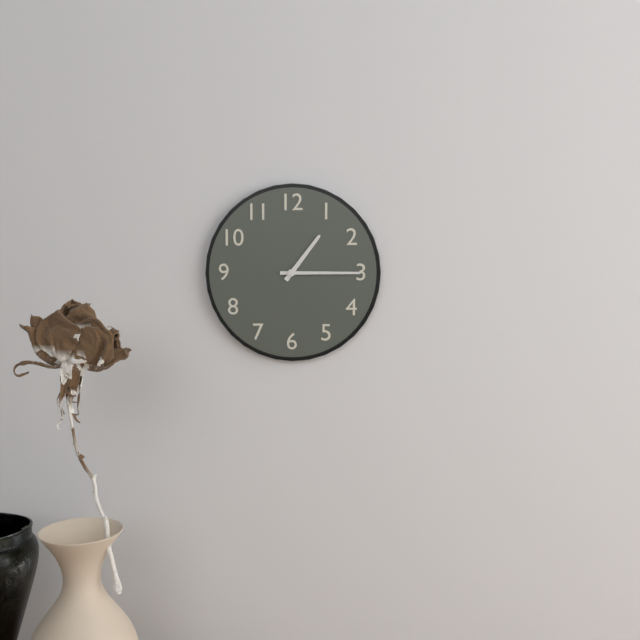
**1:15**
